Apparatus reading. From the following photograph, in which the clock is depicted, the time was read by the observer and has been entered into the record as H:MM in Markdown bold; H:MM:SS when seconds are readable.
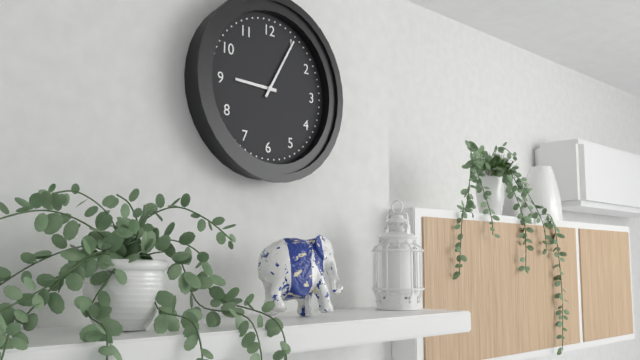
**9:05**
